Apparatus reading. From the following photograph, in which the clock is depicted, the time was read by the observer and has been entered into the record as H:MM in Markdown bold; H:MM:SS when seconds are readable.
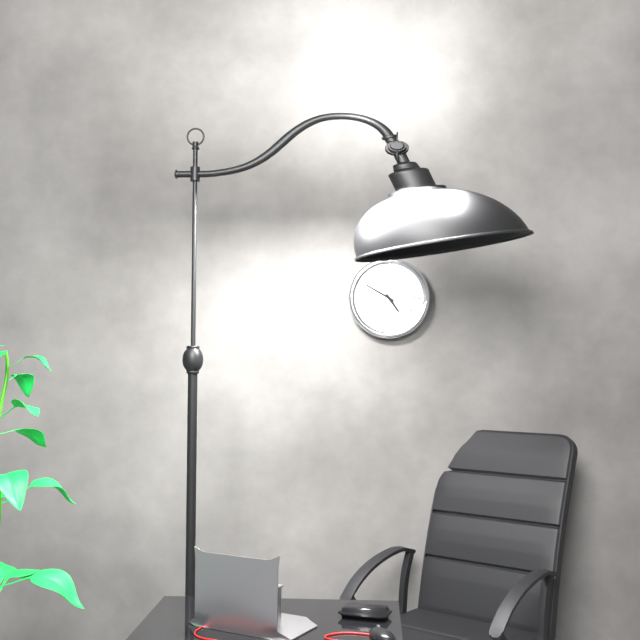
**4:50**
